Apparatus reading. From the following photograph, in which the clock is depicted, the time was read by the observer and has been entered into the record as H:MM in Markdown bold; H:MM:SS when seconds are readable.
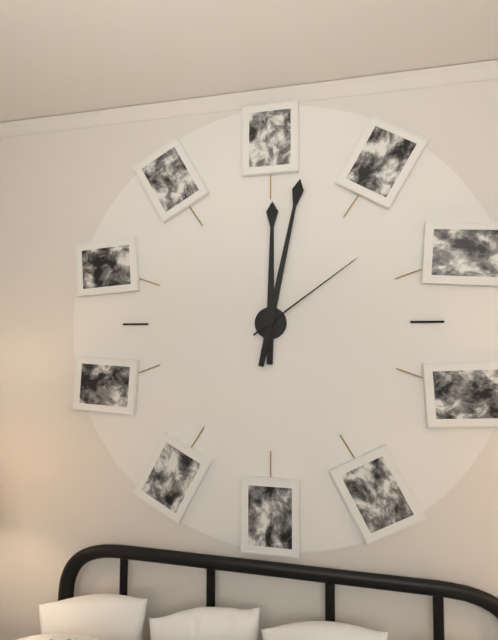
**12:02:09**
